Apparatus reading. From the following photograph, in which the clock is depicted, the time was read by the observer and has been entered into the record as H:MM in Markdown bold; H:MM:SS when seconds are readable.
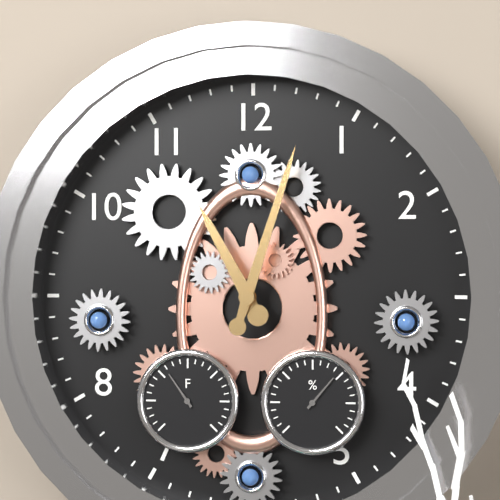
**11:03**
